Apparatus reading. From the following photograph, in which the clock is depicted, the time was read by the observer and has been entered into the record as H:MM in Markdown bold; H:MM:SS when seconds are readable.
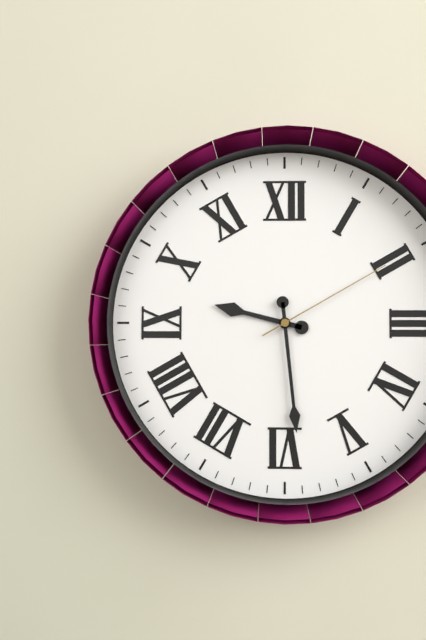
**9:29:10**
